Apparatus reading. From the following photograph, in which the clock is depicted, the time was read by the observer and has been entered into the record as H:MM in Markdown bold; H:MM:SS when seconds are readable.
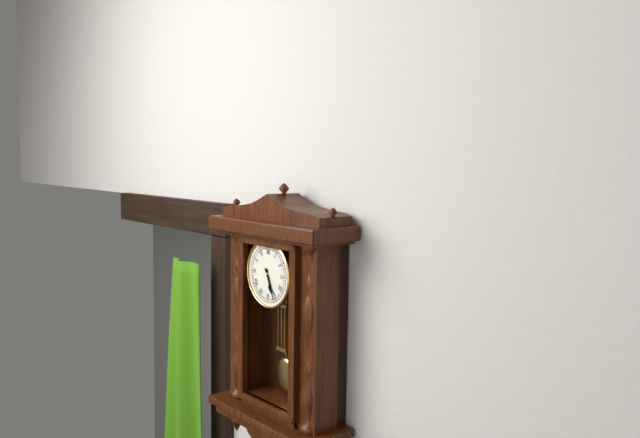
**5:26**
